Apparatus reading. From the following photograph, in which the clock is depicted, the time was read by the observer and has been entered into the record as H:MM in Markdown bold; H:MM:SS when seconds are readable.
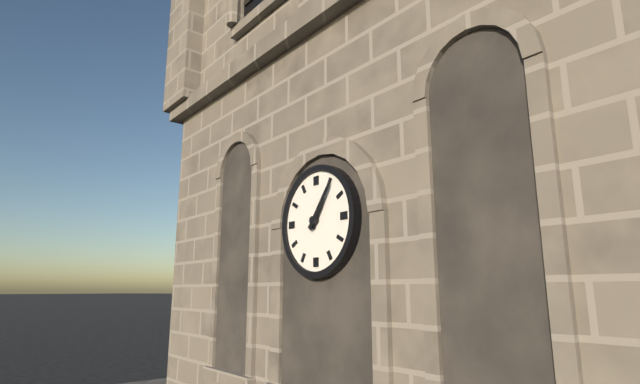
**1:06**
